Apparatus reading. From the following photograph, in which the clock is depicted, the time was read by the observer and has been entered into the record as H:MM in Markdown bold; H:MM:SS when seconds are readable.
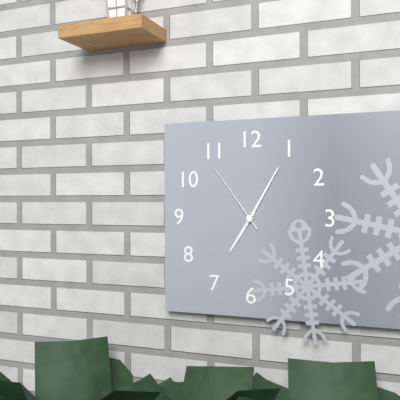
**7:05:54**
